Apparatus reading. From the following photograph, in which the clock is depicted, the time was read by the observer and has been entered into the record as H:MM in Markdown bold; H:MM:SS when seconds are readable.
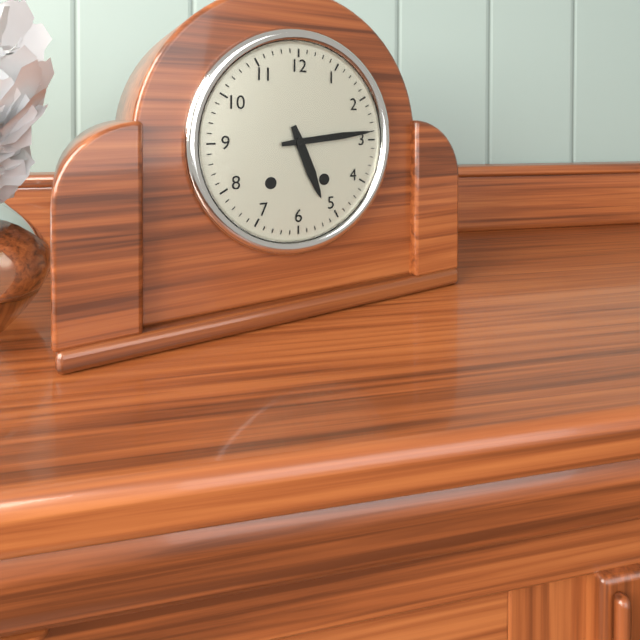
**5:14**
